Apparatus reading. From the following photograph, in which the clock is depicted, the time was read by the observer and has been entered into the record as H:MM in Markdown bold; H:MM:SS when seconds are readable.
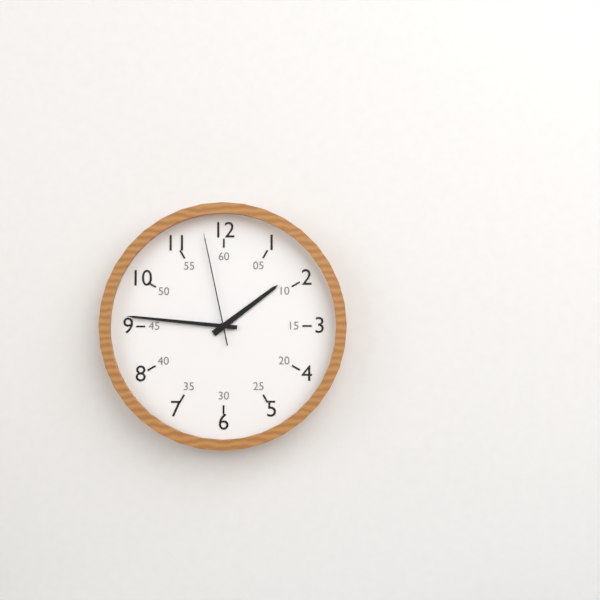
**1:46:58**
